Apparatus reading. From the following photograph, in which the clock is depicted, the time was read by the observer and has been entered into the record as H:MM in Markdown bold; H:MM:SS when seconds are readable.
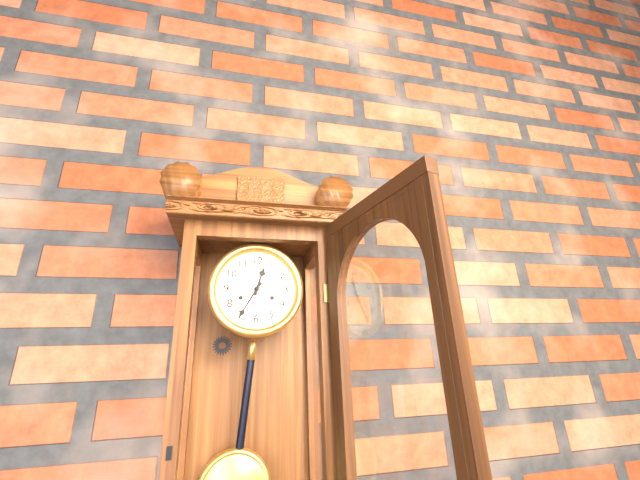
**12:35**
